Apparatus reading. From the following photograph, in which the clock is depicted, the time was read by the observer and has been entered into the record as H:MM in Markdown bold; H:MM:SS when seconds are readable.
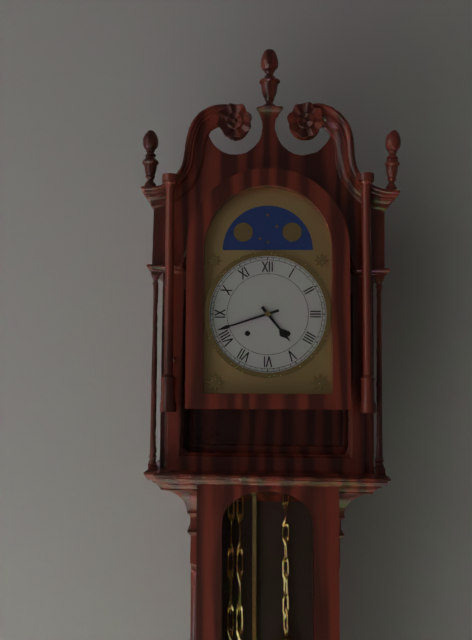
**4:42**
